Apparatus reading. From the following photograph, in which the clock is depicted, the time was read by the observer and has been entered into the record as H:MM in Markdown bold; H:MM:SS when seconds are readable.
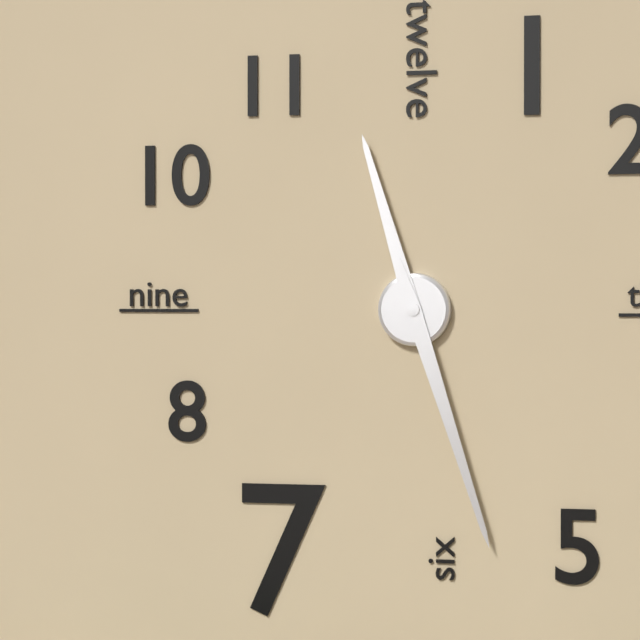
**11:27**
